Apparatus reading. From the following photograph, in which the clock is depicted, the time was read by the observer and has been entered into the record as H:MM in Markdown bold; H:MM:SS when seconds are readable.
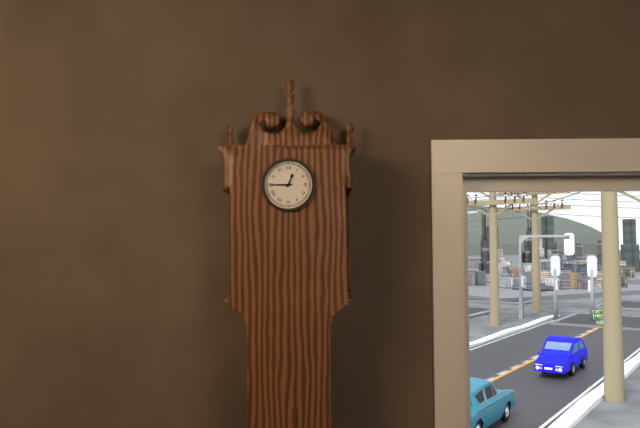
**12:45**
